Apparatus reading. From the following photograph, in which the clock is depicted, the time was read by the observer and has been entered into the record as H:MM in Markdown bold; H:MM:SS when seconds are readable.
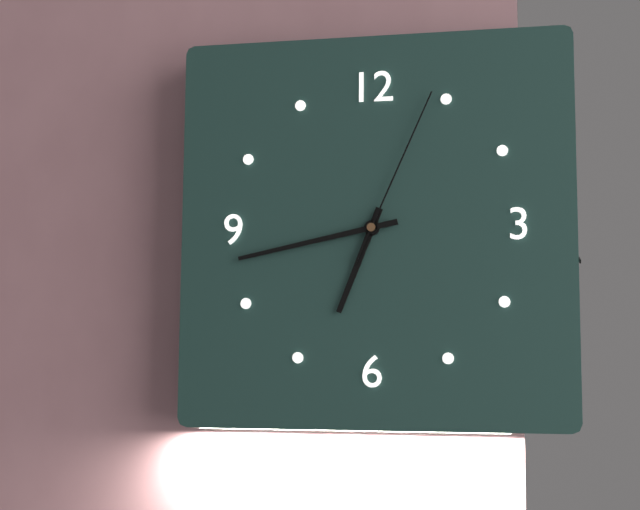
**6:43:04**
